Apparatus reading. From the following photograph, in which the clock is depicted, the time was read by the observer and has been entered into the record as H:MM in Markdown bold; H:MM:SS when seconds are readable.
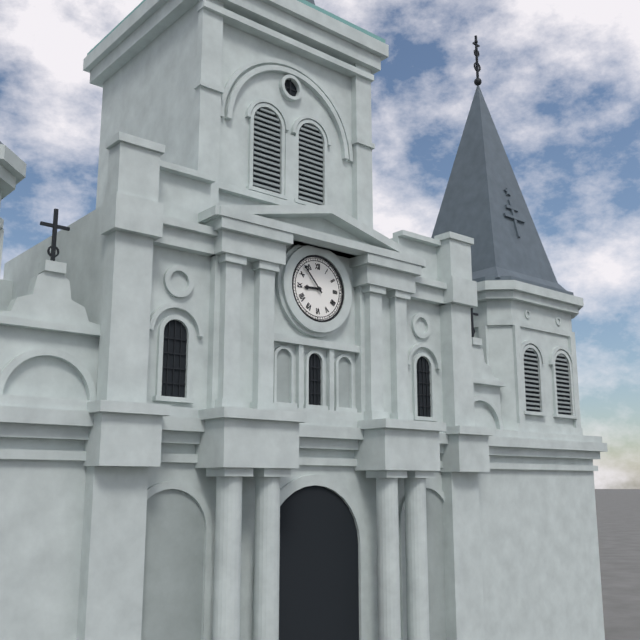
**8:53**
